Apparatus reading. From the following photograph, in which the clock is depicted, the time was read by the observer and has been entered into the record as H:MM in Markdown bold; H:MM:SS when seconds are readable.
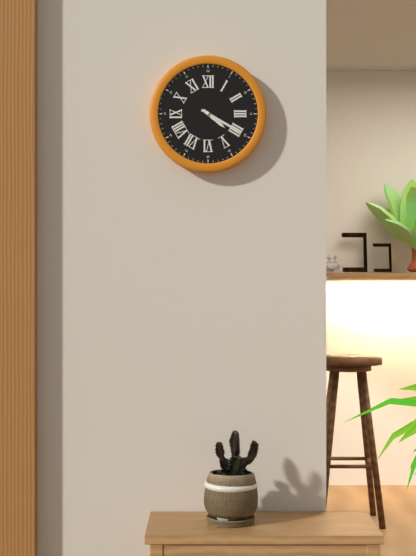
**4:20**
